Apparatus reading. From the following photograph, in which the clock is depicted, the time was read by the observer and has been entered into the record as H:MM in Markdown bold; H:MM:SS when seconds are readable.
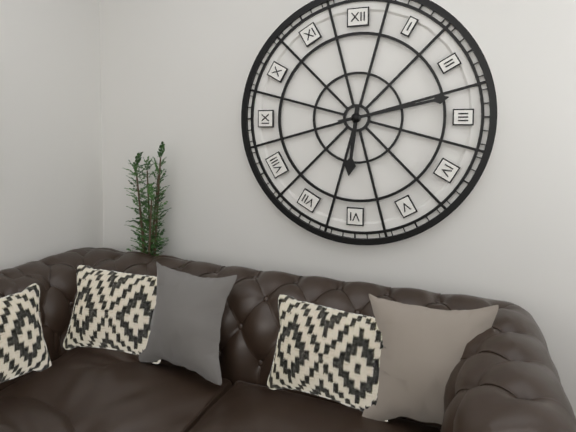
**6:13**
